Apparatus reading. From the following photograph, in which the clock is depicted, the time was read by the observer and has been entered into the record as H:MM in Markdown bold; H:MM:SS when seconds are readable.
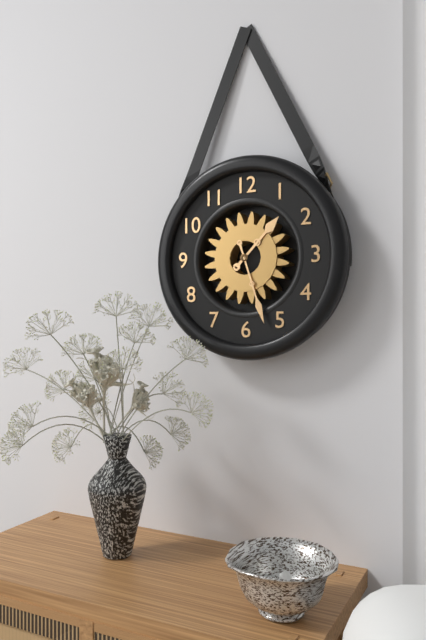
**1:27**
